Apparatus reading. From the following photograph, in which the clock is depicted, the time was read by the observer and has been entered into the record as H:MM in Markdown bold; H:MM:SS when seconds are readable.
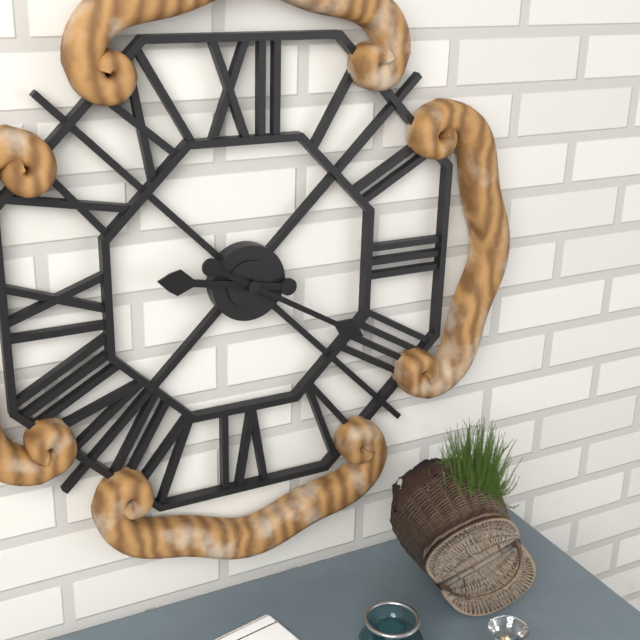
**9:20**
